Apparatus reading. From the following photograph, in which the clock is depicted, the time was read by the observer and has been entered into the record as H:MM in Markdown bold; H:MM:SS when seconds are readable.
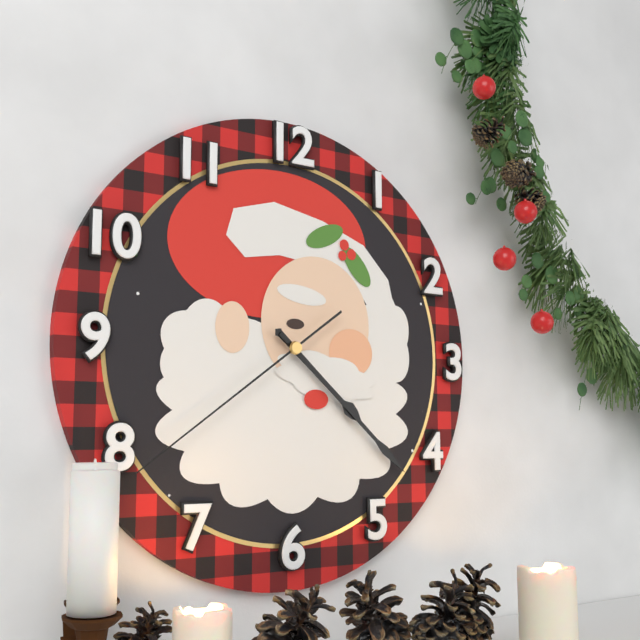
**4:22:39**
